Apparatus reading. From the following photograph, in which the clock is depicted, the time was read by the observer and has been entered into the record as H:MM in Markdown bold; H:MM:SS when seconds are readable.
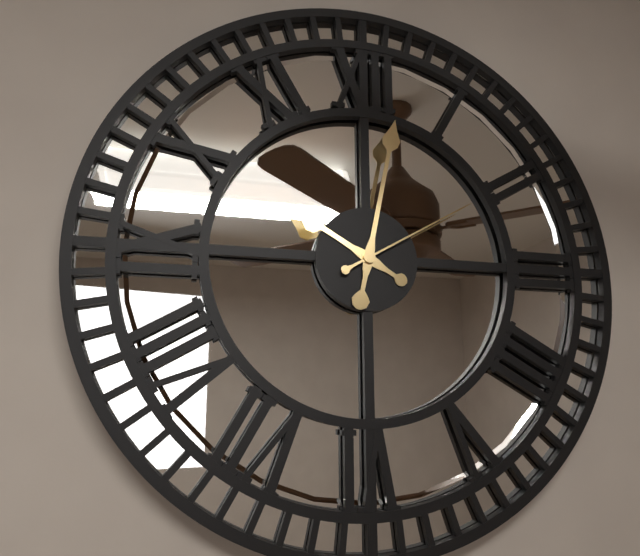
**10:02:10**
